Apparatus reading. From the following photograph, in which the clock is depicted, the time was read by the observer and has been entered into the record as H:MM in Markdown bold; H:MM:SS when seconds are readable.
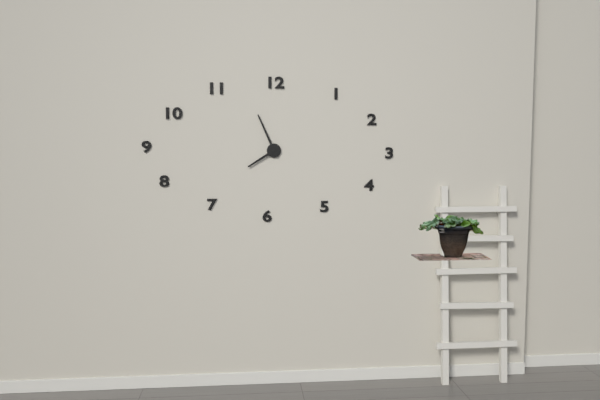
**7:56**
